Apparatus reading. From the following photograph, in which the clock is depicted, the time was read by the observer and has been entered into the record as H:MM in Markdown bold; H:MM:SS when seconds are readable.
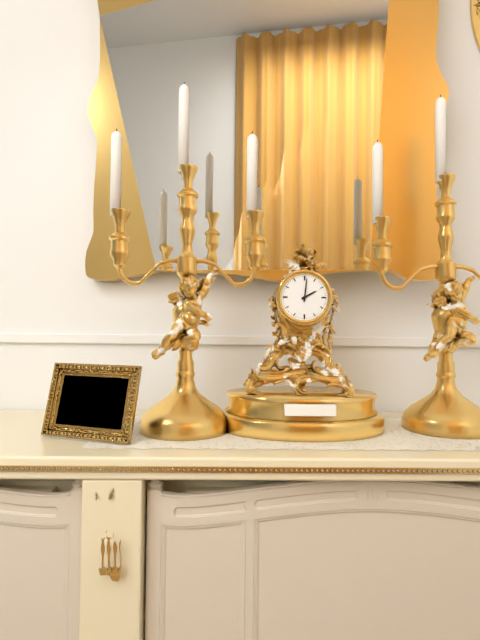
**2:01**
